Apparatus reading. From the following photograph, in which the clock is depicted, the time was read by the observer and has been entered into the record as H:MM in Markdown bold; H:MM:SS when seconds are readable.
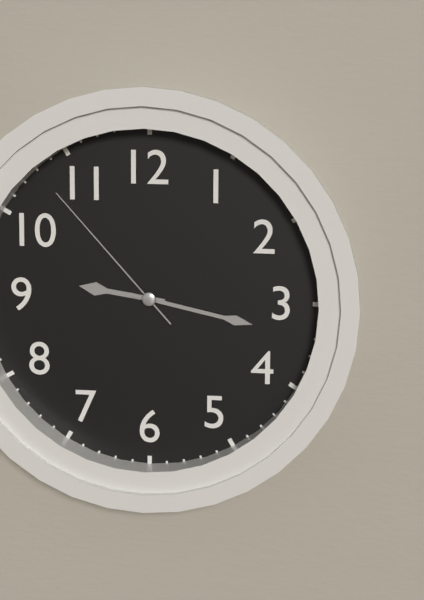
**9:17:53**
